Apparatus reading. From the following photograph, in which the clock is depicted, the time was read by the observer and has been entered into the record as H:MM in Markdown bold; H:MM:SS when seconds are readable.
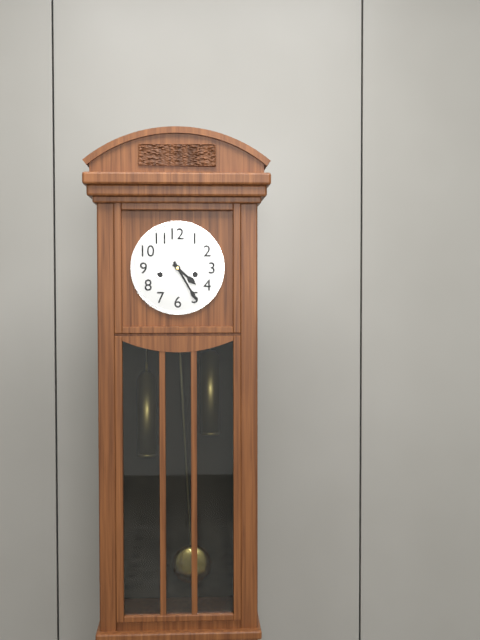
**4:25**
